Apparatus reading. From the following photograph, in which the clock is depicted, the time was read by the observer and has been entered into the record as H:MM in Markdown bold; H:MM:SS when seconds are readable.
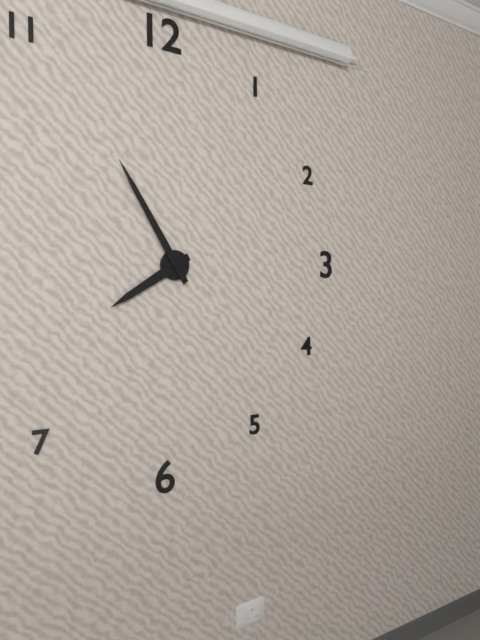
**7:55**
